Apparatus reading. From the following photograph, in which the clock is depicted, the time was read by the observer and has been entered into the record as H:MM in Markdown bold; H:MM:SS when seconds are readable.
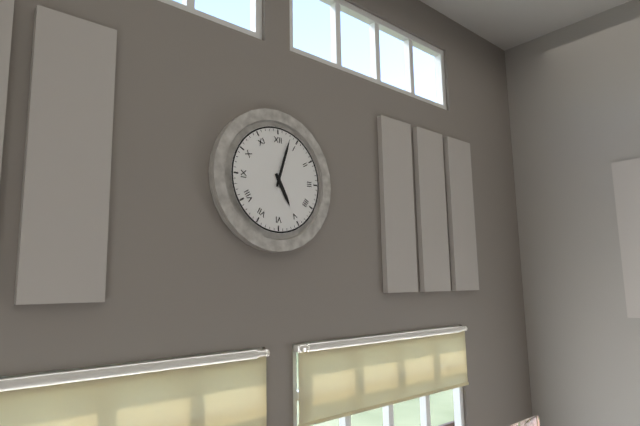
**5:03**
